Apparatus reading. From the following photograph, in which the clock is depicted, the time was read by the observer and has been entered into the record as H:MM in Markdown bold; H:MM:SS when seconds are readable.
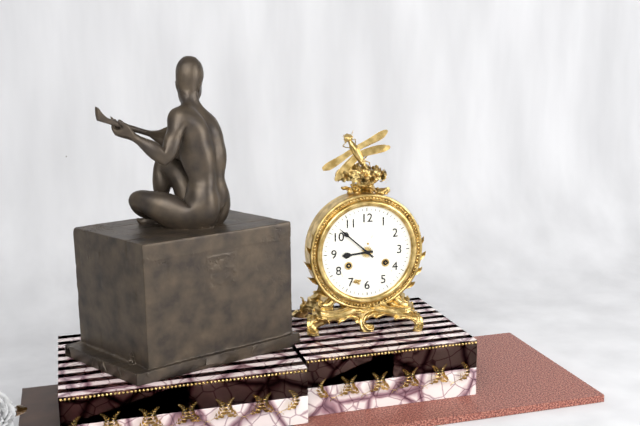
**8:52**
